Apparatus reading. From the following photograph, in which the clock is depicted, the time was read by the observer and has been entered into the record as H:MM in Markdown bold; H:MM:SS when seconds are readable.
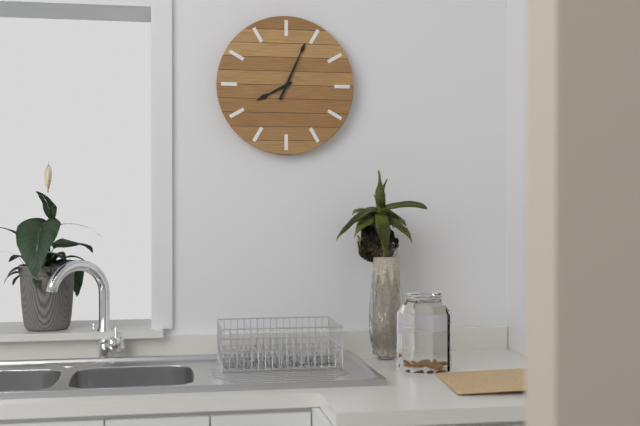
**8:04**
